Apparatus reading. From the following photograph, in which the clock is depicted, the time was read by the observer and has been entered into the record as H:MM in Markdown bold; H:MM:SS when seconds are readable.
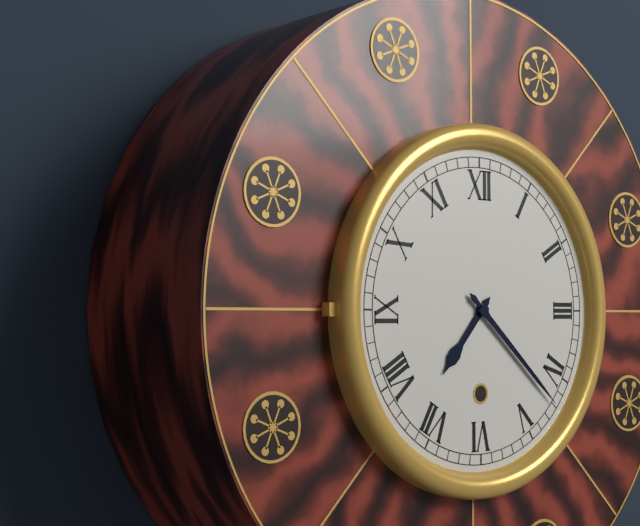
**7:22**
